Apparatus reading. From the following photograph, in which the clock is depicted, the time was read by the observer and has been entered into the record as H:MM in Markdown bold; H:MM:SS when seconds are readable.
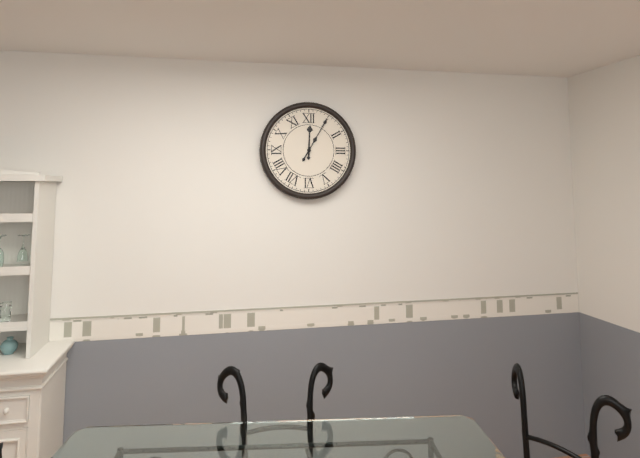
**12:05**
